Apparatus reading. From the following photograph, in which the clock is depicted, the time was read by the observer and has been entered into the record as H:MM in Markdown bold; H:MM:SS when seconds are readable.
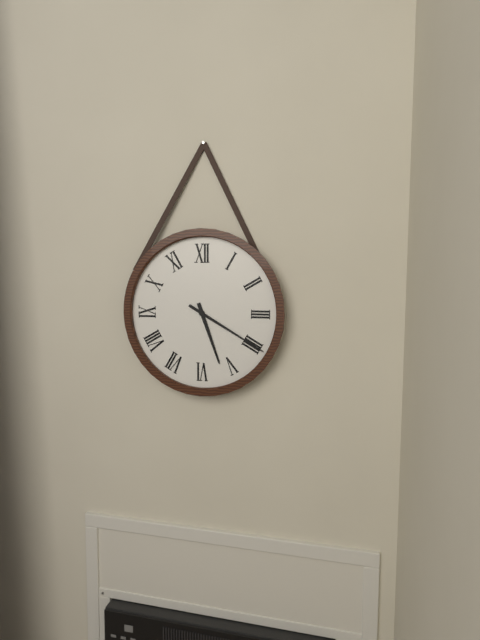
**5:20**
